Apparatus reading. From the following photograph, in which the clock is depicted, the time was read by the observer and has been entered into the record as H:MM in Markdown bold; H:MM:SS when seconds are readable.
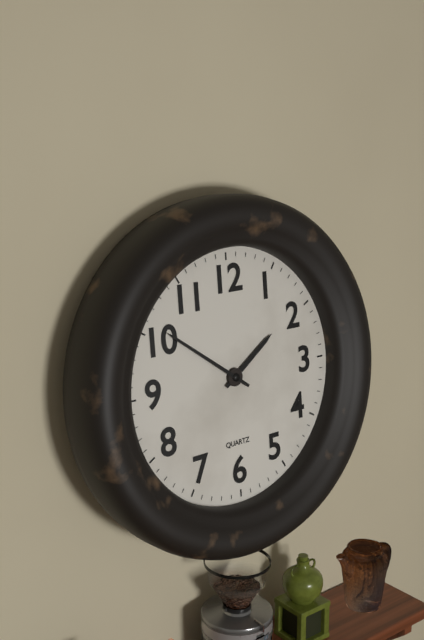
**1:51**
